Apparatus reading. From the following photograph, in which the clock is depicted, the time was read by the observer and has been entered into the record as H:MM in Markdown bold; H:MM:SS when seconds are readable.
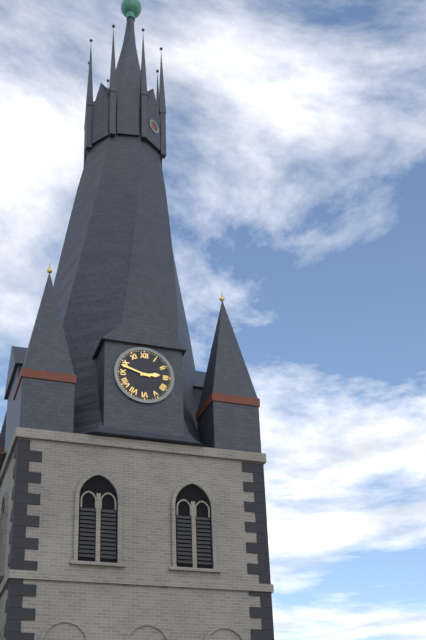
**2:48**
